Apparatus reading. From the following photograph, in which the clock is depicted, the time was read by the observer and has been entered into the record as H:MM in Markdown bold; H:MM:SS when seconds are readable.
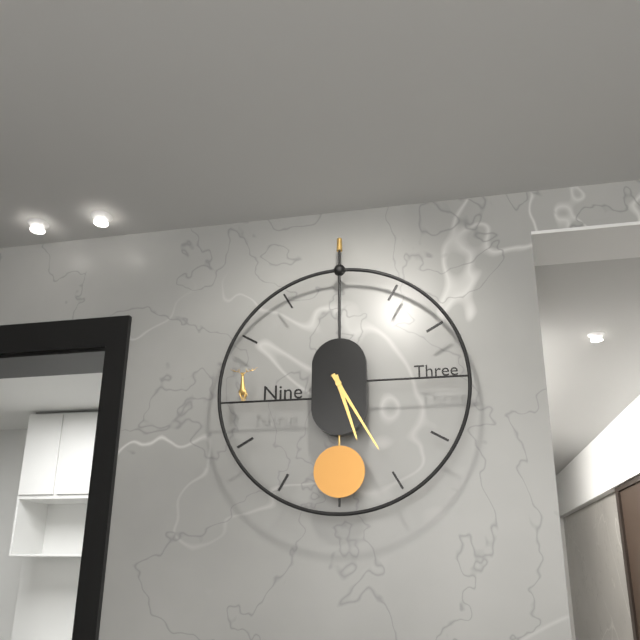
**5:25**
